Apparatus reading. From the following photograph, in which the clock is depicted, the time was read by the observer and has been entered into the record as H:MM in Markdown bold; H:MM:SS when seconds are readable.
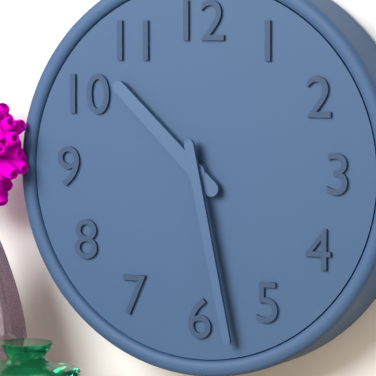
**10:28**
